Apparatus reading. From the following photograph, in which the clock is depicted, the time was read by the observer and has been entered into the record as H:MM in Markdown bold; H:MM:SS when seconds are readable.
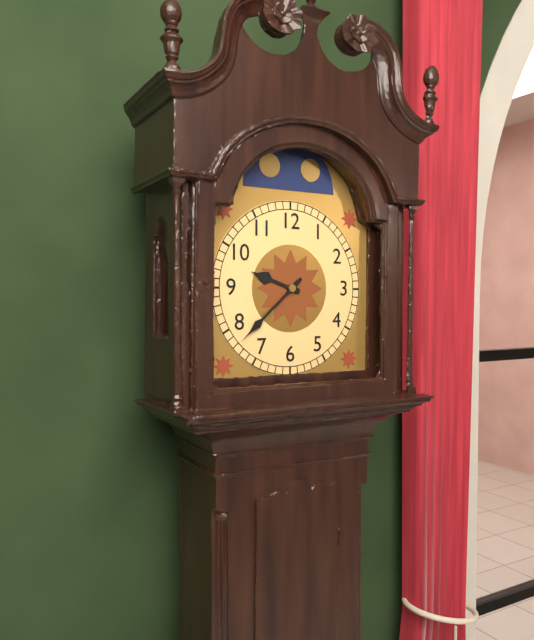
**9:38**
